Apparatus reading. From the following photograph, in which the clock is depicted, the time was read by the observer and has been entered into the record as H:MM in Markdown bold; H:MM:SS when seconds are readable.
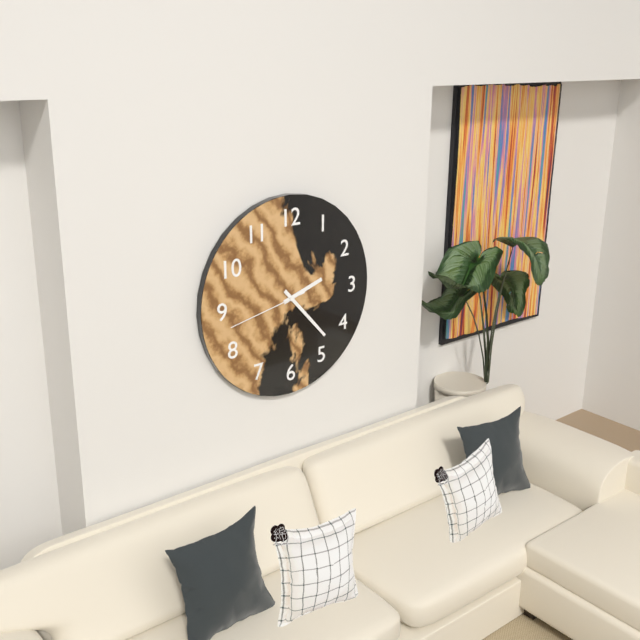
**2:23:43**
